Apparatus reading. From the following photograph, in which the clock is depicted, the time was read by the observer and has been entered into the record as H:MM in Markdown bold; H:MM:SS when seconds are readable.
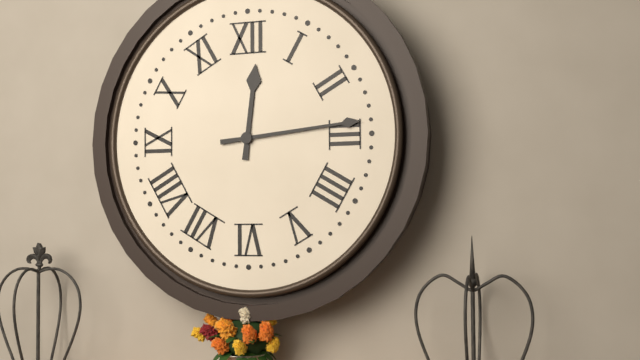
**12:14**
